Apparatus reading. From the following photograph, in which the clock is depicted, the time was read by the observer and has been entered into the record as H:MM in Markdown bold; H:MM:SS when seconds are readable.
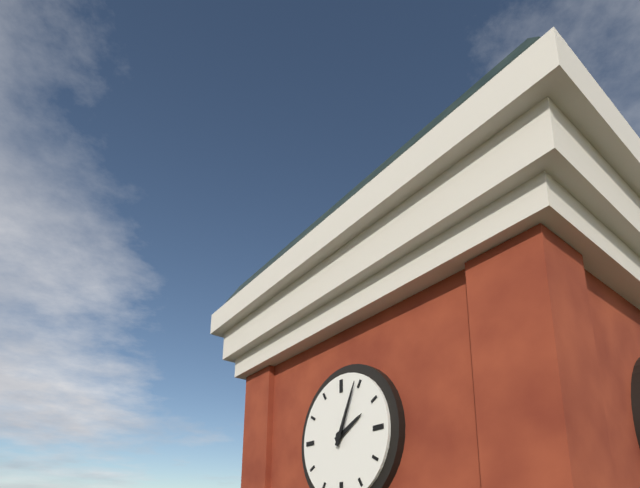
**2:04**
